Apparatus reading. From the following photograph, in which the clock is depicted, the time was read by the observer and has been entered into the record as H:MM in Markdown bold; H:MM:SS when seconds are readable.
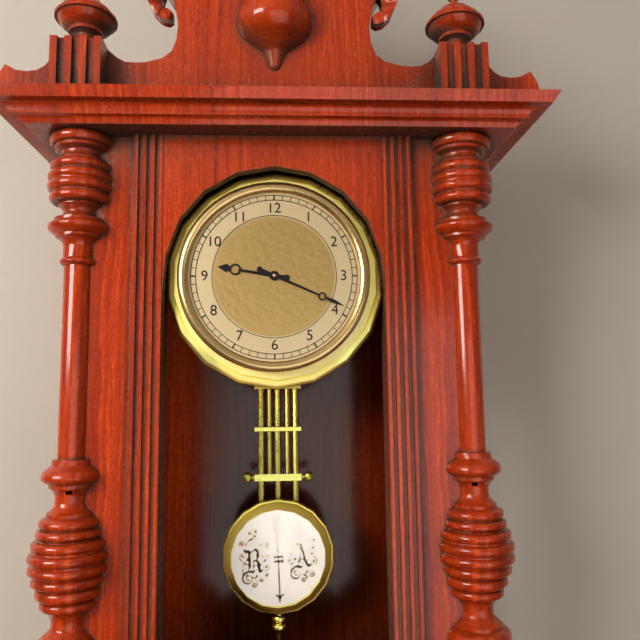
**9:19**
